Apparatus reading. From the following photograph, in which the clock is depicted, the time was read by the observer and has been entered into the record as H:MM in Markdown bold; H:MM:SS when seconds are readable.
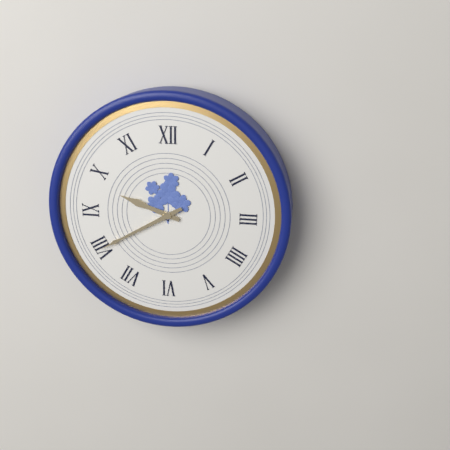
**9:40**
